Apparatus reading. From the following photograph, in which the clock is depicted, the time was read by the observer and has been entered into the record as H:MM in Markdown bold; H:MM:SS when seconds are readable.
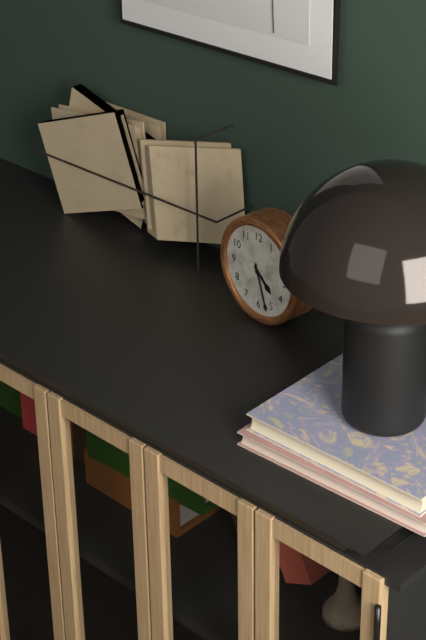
**4:27**
